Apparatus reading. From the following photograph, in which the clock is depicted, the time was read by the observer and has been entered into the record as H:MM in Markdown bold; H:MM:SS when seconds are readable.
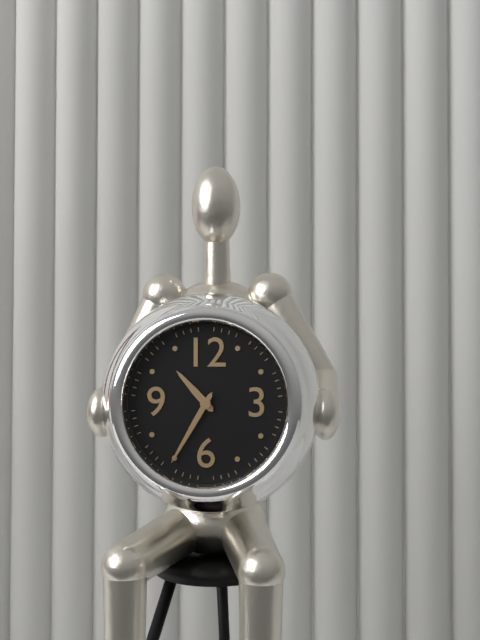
**10:35**
